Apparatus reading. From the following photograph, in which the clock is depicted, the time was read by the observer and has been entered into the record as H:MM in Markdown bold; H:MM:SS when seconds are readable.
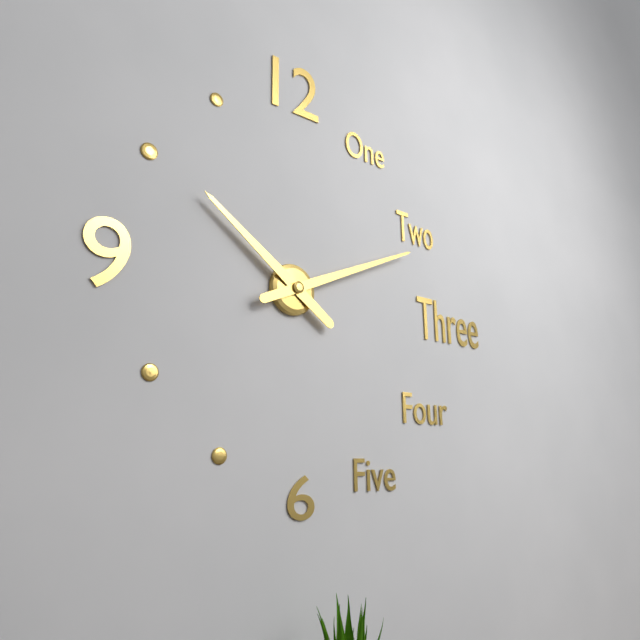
**10:11**
